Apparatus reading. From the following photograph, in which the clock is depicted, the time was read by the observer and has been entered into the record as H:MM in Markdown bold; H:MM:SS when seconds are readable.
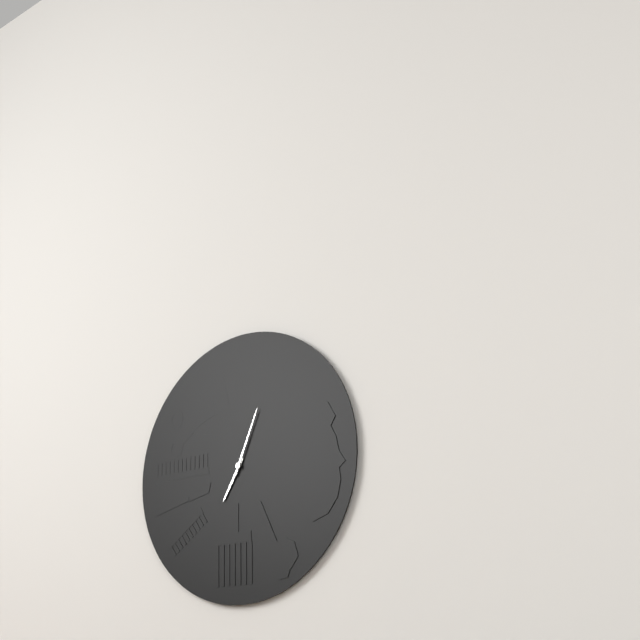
**7:04**
